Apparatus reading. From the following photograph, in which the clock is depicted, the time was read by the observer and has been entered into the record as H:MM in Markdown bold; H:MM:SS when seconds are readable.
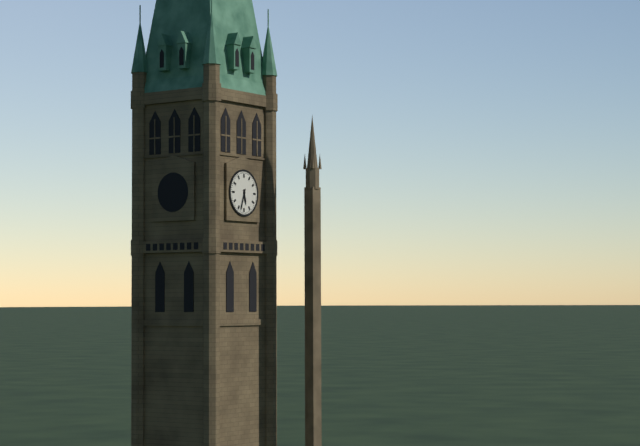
**5:33**
